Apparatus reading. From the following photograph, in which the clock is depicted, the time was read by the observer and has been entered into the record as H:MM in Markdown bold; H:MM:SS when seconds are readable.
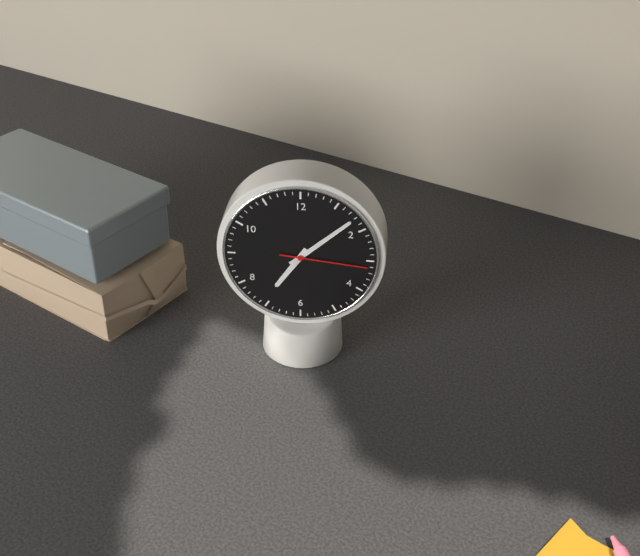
**7:08:16**
